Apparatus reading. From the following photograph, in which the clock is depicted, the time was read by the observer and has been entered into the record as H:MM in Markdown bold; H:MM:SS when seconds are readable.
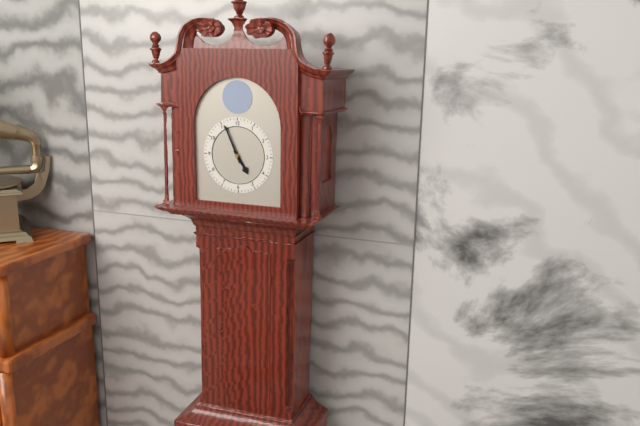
**4:56**
